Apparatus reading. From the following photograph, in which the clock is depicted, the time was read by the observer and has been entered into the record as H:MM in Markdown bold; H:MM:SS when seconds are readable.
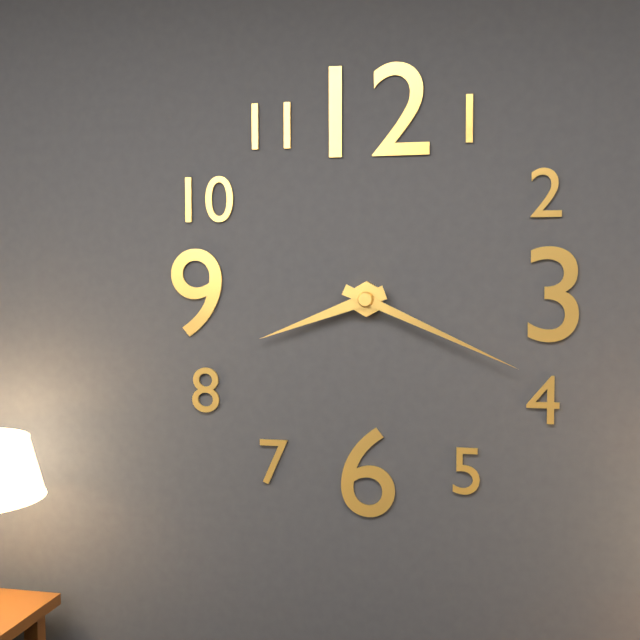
**8:19**
